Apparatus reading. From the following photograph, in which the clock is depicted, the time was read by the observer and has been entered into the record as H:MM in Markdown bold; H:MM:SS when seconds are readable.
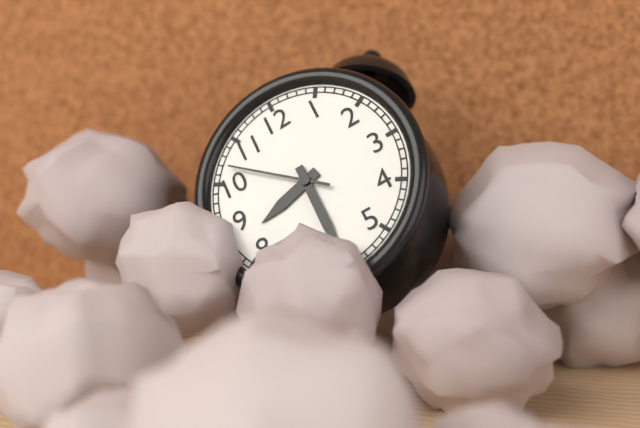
**8:30:52**
